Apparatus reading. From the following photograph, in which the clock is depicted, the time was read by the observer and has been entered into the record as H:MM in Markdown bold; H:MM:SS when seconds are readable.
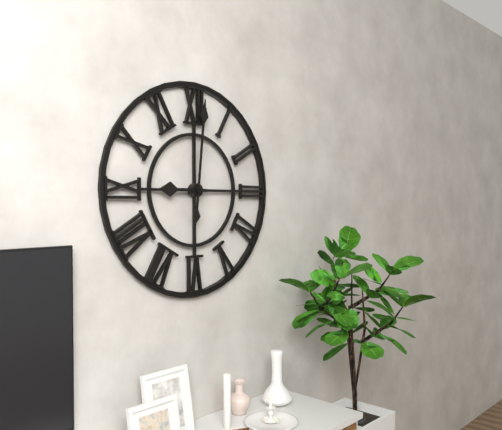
**9:01**
